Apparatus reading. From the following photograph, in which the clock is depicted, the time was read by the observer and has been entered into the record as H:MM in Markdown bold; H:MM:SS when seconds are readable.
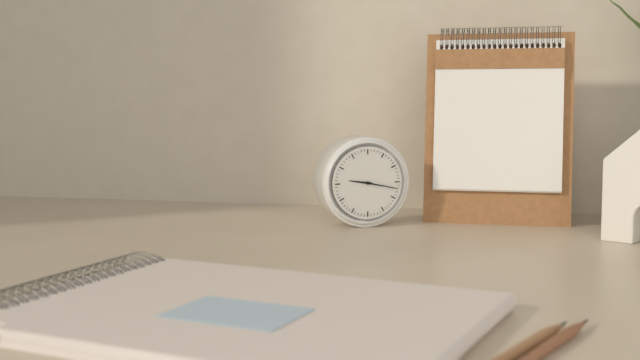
**9:17**
